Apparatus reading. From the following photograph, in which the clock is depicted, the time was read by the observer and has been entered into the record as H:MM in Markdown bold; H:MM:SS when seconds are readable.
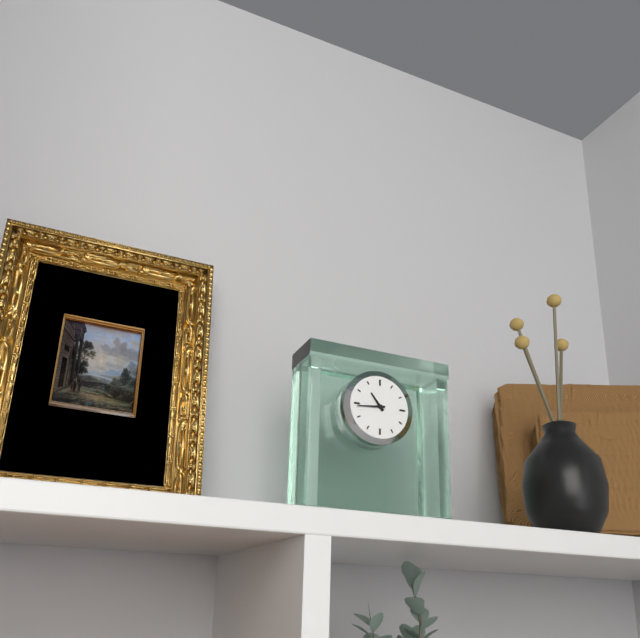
**10:44**
